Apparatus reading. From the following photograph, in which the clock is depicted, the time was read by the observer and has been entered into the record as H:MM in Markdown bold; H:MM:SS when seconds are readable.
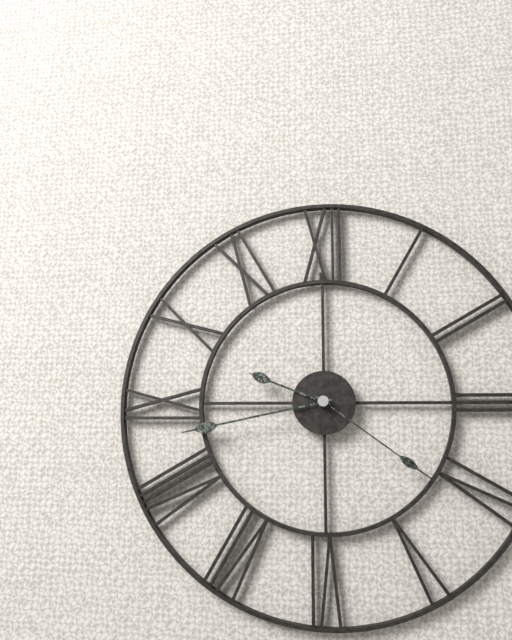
**9:43:21**
